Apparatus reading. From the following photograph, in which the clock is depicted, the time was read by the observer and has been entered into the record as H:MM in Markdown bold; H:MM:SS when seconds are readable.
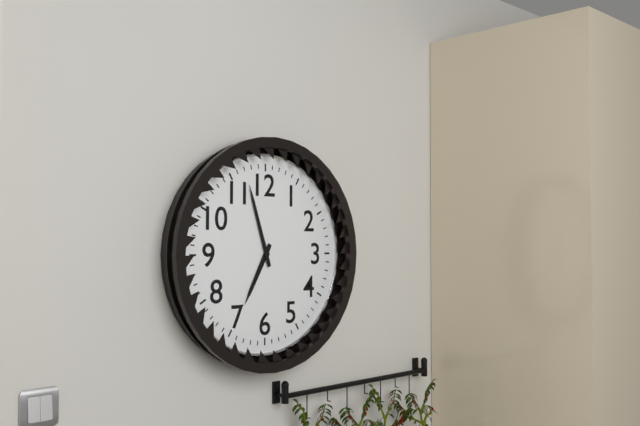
**6:57**
